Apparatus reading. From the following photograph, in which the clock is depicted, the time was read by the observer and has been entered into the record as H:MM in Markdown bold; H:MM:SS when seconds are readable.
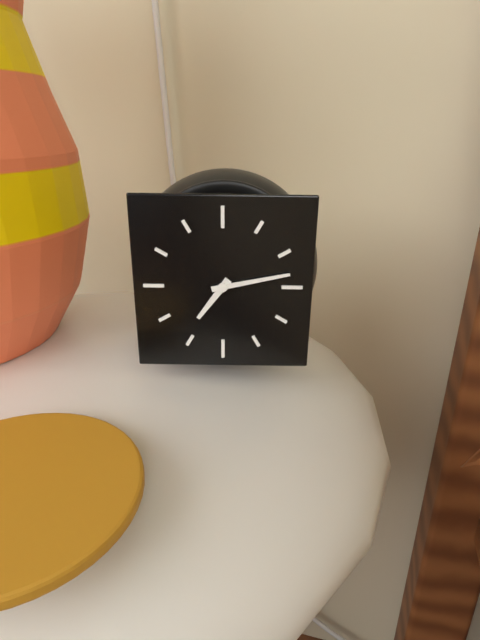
**7:13**
